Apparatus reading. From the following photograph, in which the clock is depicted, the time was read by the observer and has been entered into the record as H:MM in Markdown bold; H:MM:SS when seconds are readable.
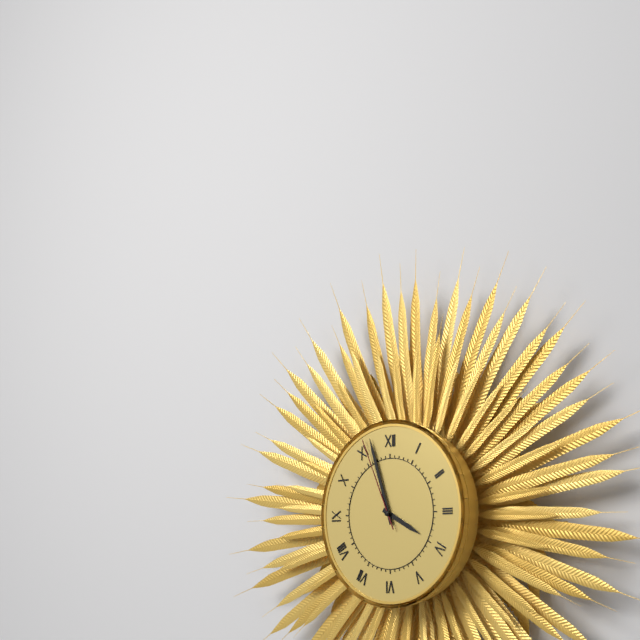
**3:57:56**
